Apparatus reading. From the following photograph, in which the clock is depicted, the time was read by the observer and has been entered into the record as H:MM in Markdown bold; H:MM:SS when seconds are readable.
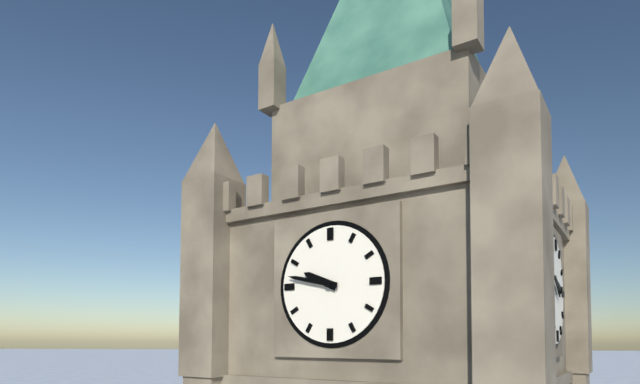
**9:47**
